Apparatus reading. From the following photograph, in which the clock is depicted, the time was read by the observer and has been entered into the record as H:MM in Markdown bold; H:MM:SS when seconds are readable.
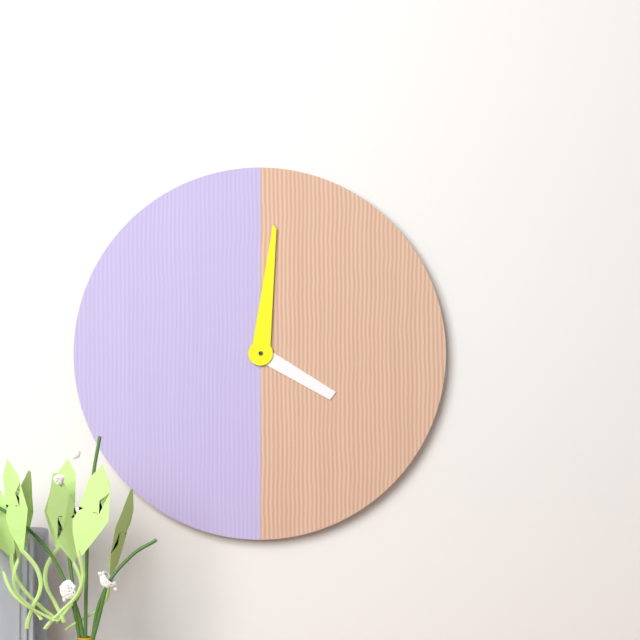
**4:01**
